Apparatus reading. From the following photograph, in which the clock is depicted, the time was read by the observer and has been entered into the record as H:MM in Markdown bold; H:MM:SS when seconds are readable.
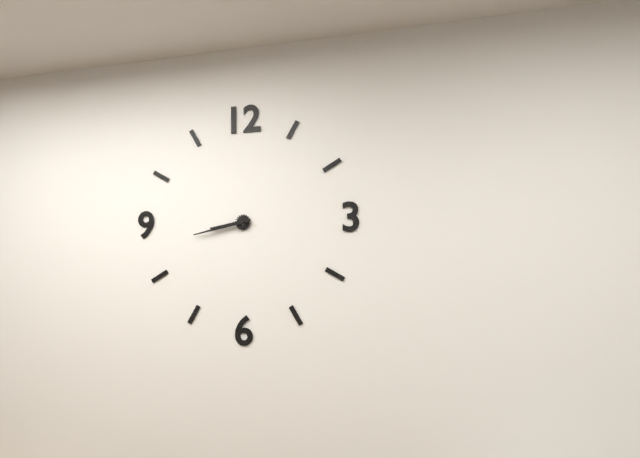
**8:43**
